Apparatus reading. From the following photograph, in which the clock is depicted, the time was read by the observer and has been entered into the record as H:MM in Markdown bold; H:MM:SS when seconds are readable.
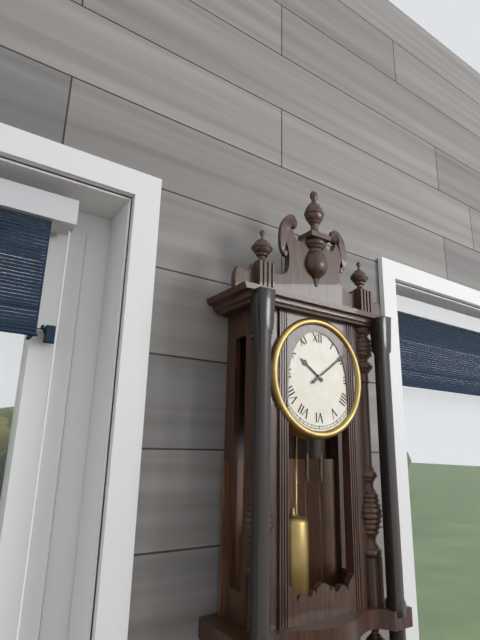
**10:09**
